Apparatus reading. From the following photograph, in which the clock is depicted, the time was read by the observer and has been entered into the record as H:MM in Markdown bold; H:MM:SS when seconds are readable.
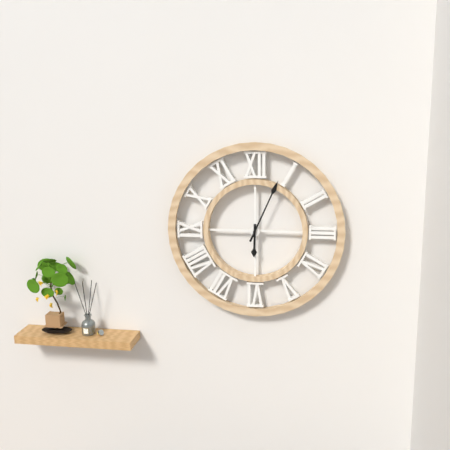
**6:04**
